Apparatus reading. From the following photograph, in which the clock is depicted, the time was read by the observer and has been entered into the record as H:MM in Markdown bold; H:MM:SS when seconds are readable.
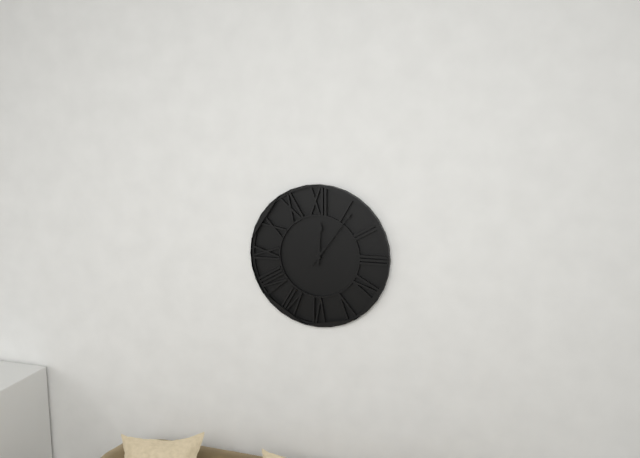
**12:06**
